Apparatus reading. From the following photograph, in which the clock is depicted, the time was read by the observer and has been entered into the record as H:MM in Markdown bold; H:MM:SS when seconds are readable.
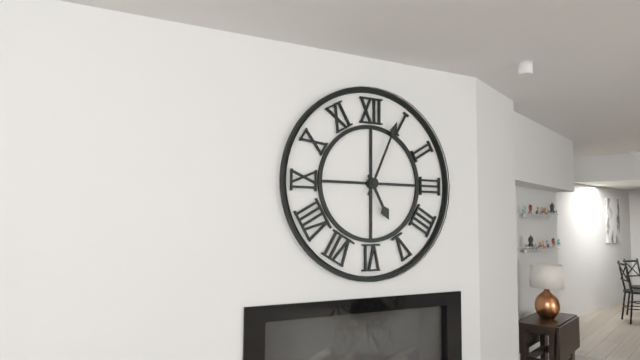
**5:04**
